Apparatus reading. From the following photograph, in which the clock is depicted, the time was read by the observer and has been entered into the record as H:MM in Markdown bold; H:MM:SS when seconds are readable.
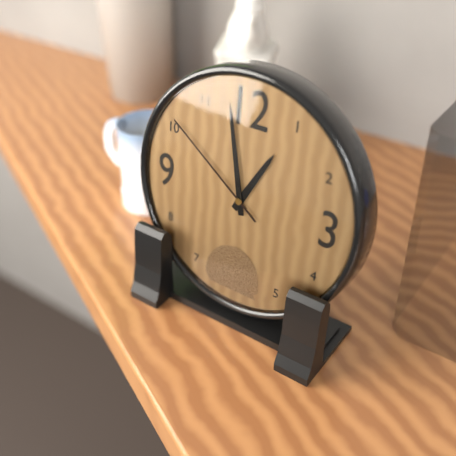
**12:58:51**
